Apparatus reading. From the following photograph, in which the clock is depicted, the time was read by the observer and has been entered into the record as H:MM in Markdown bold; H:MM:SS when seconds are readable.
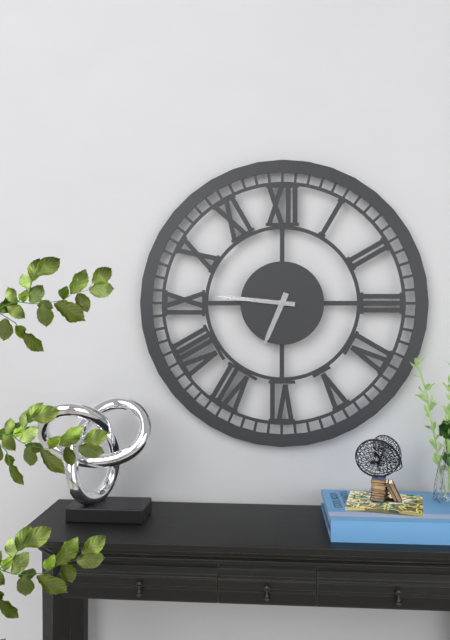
**6:46**
